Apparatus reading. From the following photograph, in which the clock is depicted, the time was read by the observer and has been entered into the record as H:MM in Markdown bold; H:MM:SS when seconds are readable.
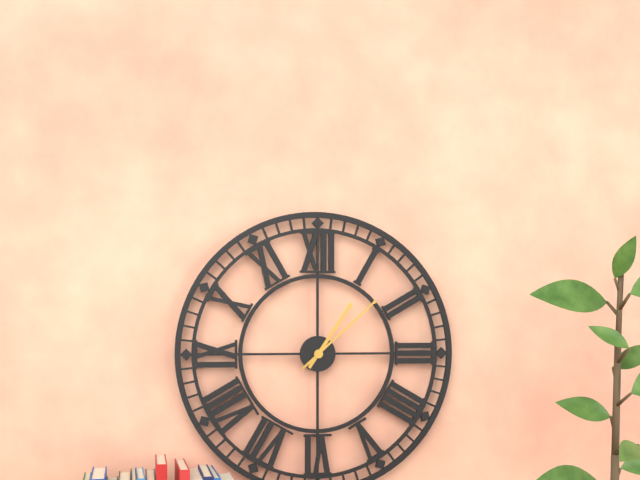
**1:08**
